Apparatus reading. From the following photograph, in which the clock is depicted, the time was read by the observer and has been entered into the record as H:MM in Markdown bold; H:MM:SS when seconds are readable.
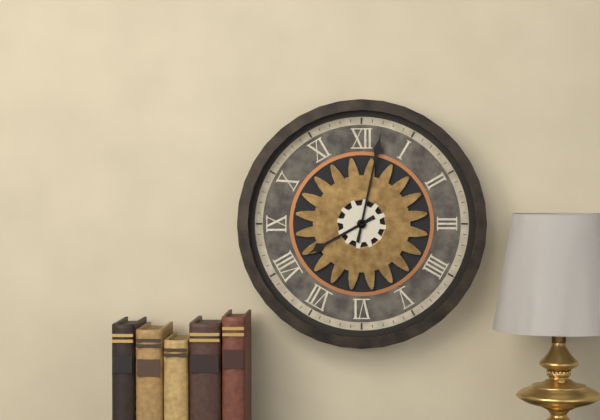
**8:02**
